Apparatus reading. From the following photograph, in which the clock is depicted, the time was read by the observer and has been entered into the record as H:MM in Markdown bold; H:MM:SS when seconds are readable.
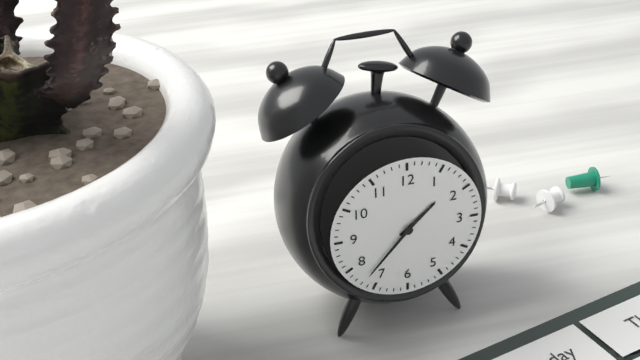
**1:37**
